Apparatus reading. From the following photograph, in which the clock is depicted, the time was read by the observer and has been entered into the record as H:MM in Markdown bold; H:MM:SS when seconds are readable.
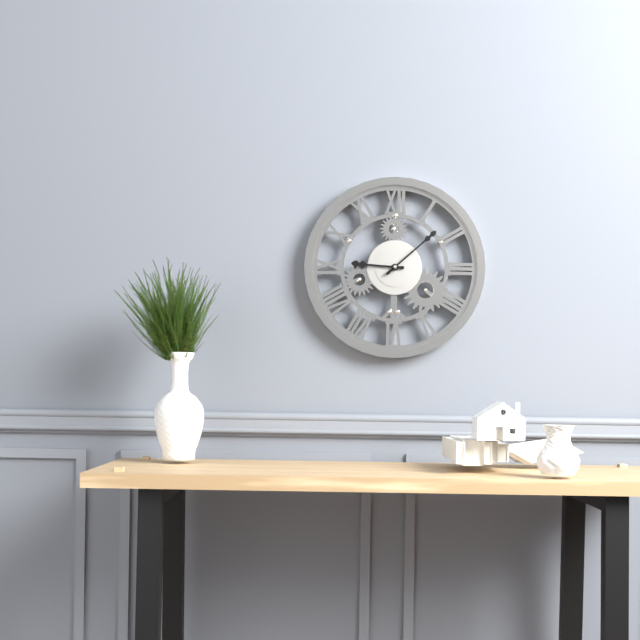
**9:08**
